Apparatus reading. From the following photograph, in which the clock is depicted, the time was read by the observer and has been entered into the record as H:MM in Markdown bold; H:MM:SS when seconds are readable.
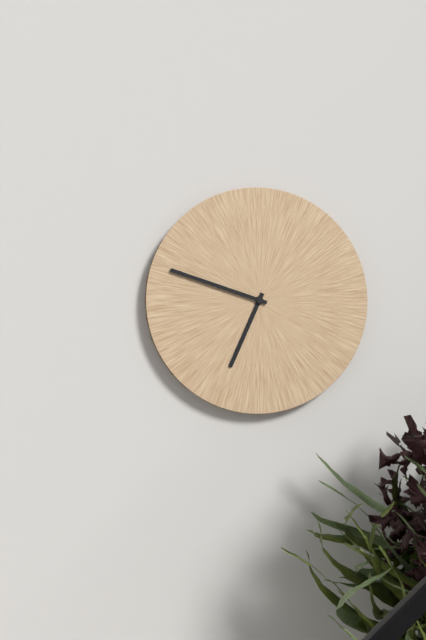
**6:48**
